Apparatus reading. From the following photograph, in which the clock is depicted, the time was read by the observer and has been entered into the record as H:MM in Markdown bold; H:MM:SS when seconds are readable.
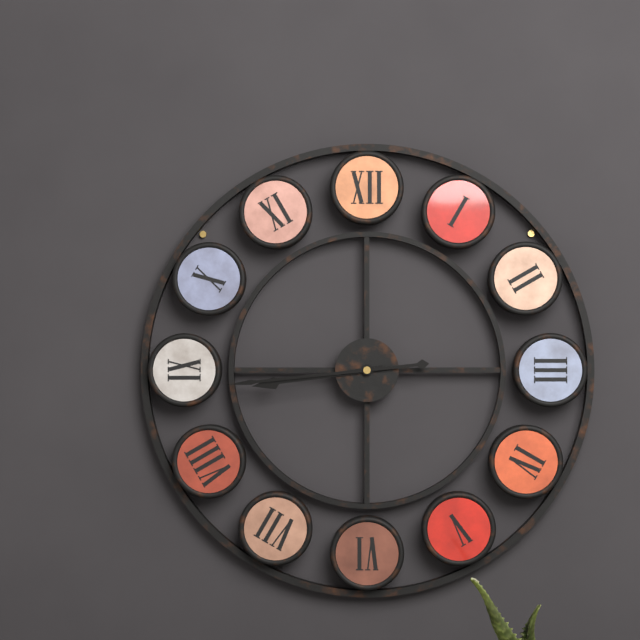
**8:44**
